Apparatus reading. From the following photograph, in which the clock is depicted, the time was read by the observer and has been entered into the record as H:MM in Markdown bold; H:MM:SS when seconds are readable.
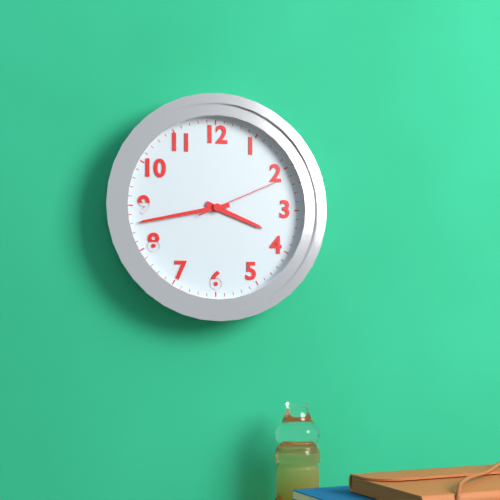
**3:43:11**
